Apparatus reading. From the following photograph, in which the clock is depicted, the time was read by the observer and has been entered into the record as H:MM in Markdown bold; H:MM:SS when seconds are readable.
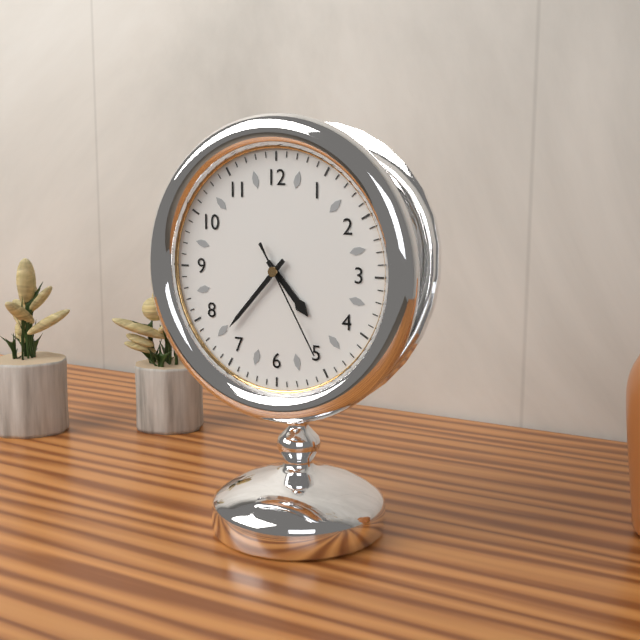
**4:37:25**
